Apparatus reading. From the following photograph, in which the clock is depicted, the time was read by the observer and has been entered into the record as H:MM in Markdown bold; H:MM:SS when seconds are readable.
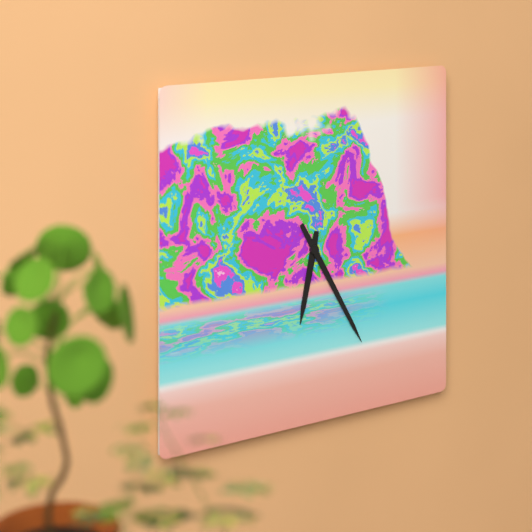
**6:25**
